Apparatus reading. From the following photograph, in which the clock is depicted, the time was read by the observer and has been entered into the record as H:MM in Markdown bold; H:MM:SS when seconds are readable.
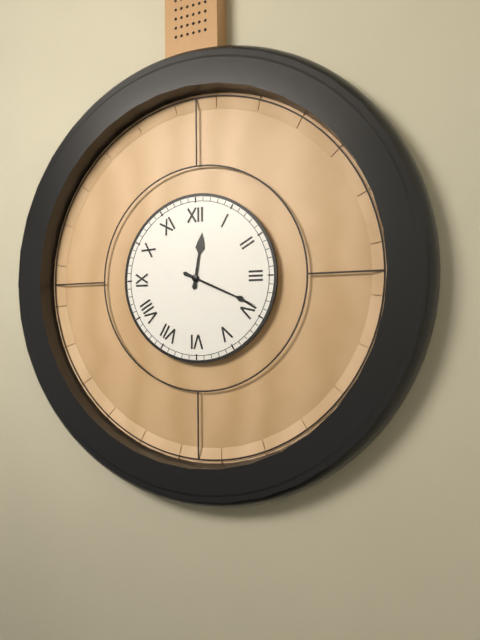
**12:19**
